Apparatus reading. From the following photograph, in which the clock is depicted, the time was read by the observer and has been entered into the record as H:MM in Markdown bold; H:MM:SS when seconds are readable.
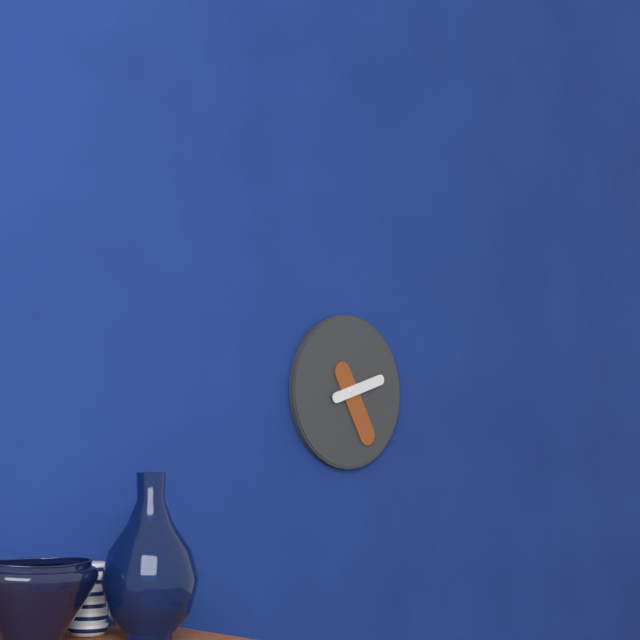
**2:25**
